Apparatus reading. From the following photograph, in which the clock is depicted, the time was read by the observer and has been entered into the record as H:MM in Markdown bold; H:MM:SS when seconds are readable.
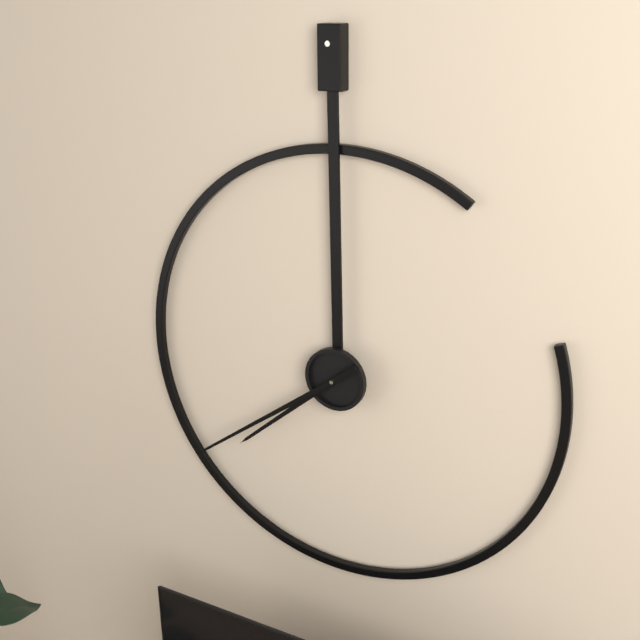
**7:39**
